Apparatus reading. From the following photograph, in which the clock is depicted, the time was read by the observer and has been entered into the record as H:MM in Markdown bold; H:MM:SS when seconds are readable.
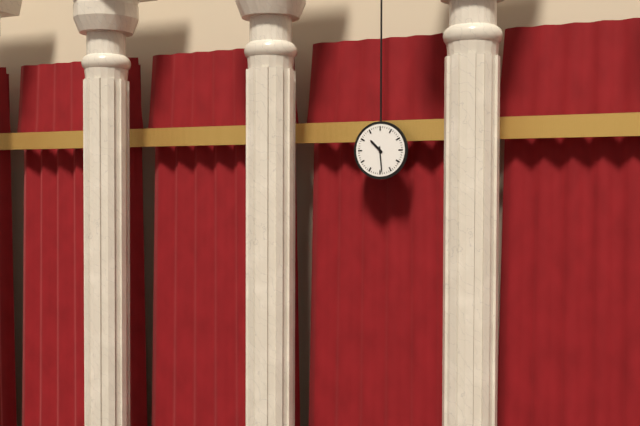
**10:29**
